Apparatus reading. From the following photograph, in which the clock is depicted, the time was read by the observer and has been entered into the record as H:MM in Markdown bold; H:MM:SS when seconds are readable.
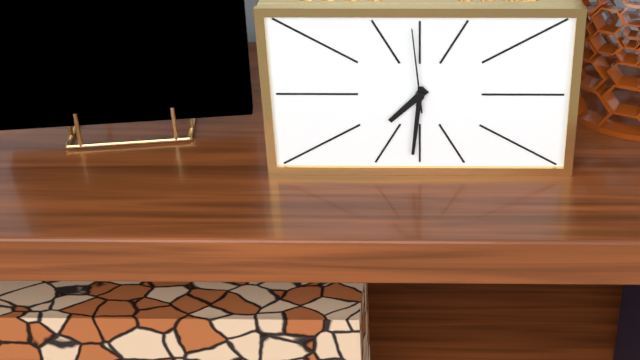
**7:31:59**
